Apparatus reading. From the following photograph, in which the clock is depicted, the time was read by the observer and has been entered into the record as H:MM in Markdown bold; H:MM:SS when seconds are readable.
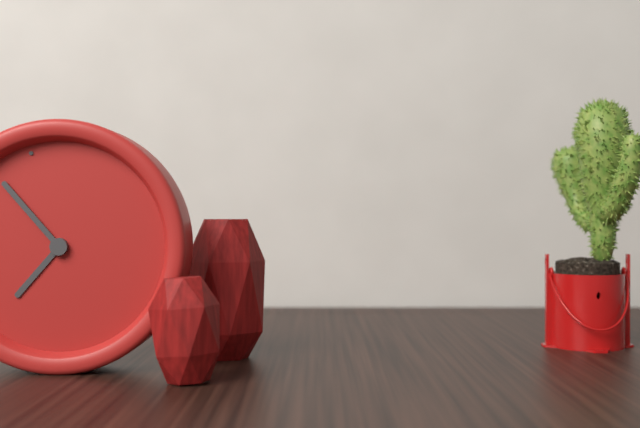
**7:56**
